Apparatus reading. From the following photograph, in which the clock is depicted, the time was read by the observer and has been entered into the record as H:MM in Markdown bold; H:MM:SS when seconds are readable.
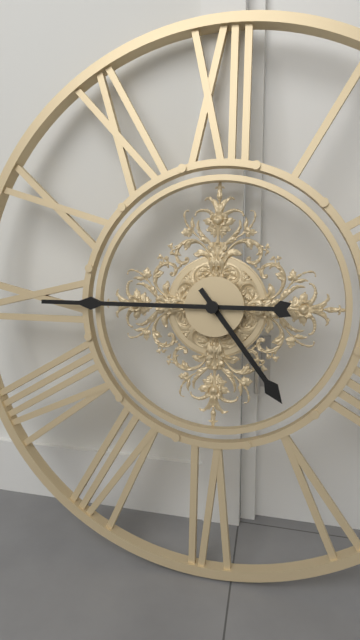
**4:45**
